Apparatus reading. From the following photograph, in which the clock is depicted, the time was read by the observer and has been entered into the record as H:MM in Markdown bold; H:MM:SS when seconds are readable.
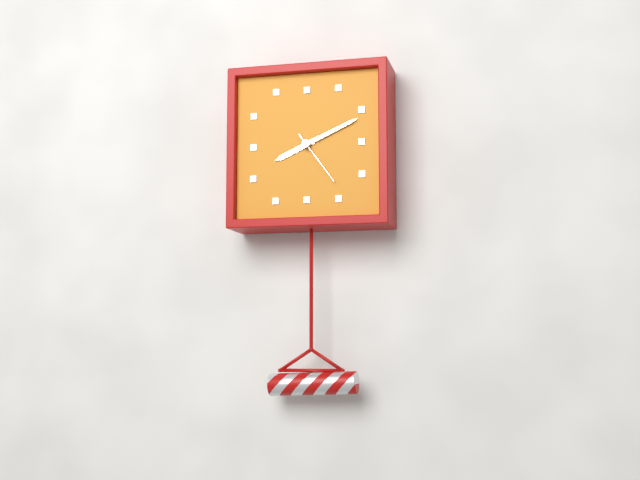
**8:11:24**
